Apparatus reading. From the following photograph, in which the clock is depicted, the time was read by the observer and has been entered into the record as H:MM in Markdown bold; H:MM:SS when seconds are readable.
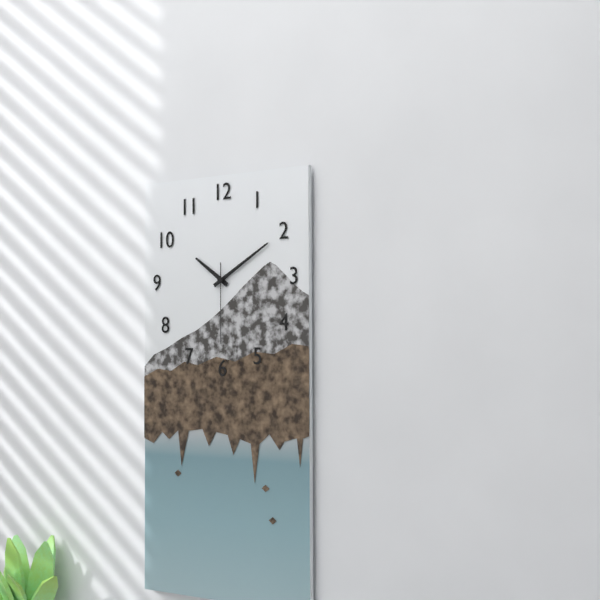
**10:10:30**
